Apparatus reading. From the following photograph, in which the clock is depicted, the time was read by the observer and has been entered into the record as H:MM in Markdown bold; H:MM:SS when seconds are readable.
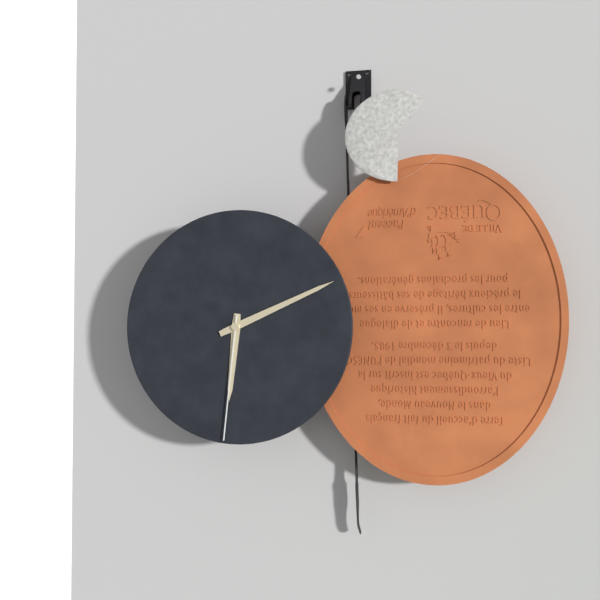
**6:11:31**
